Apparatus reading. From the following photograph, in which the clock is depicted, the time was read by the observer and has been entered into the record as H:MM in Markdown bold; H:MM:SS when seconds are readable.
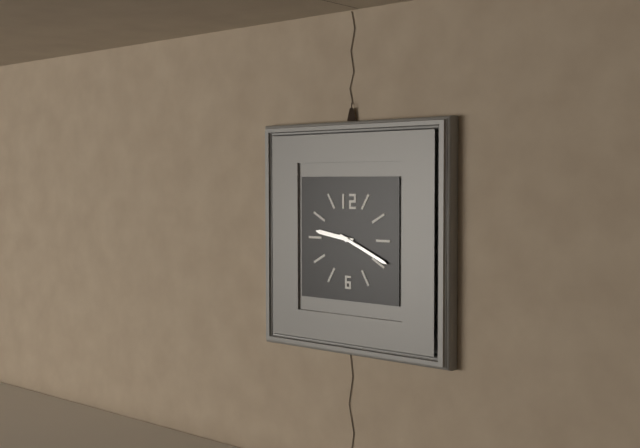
**9:19**
